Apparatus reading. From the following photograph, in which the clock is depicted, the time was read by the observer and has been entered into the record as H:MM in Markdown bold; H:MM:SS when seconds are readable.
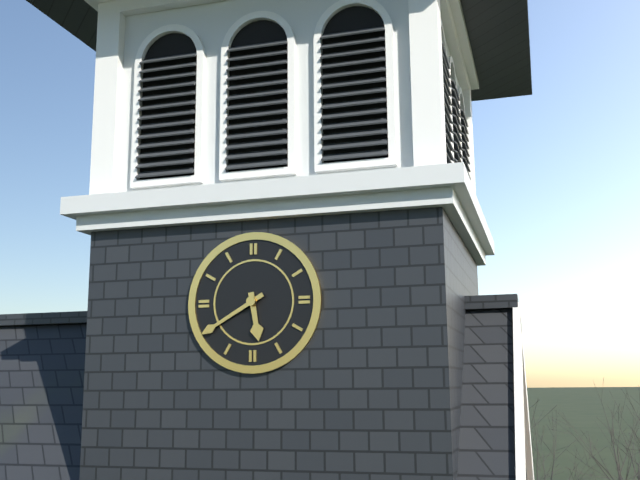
**5:40**
